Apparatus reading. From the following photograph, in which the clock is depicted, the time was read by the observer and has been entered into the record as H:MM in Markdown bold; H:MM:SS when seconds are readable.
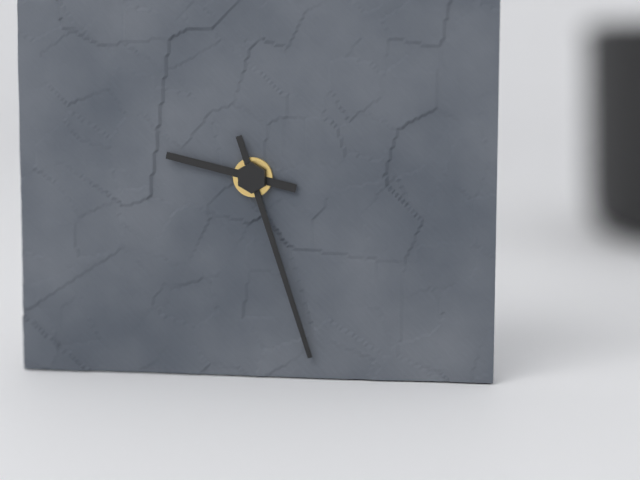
**9:27**
